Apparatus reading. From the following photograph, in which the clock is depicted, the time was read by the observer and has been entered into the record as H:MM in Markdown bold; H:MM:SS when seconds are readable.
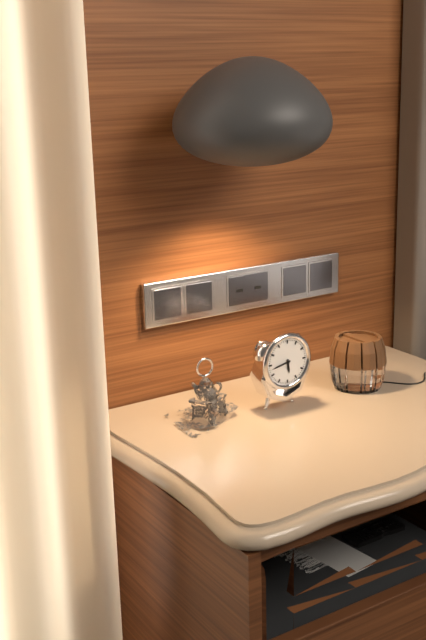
**5:43**
